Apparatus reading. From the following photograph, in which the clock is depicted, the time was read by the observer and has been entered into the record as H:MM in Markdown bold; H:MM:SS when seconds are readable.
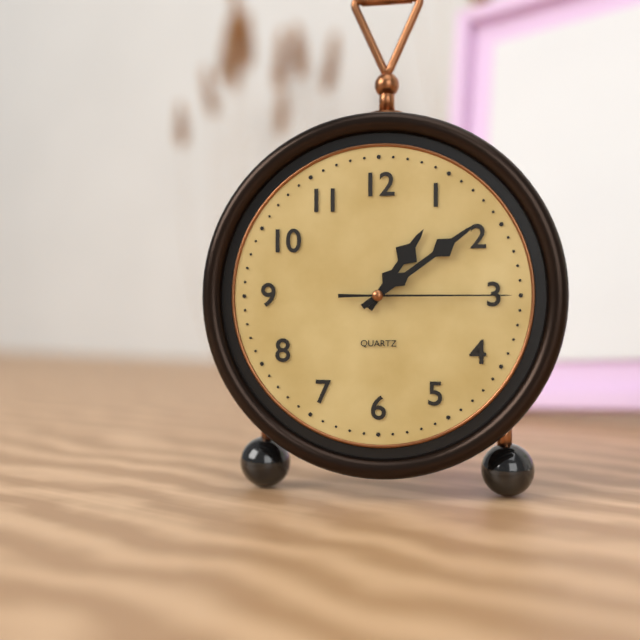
**1:09:15**
